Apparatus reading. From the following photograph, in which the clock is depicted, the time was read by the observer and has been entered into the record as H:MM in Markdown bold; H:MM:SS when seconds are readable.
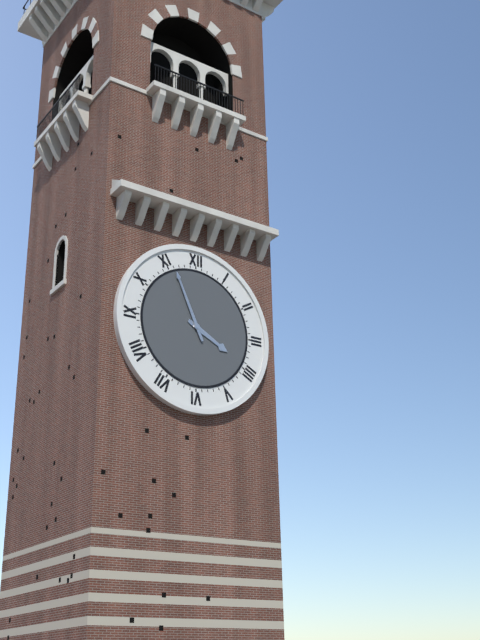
**3:56**
